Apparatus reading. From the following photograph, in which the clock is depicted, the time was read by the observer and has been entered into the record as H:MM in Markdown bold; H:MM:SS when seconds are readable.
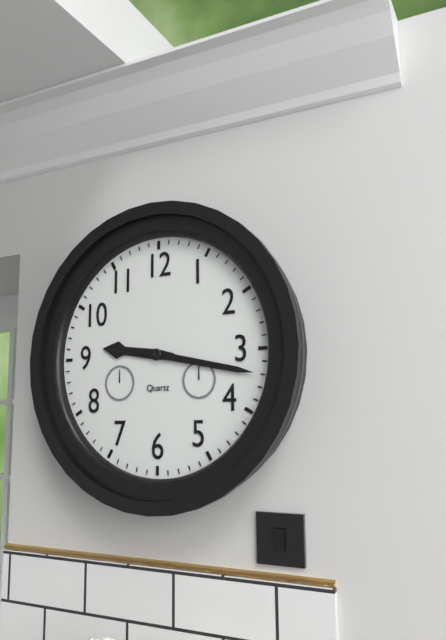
**9:17**
